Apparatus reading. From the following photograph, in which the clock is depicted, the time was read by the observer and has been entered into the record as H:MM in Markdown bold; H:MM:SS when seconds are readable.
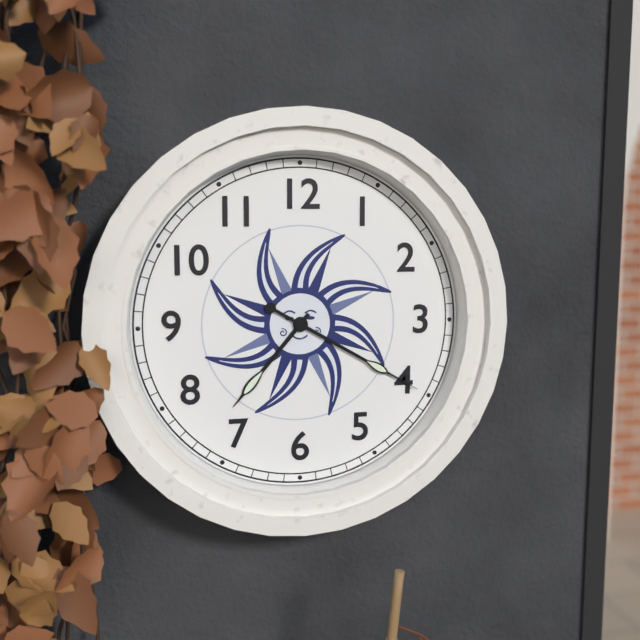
**7:20**
